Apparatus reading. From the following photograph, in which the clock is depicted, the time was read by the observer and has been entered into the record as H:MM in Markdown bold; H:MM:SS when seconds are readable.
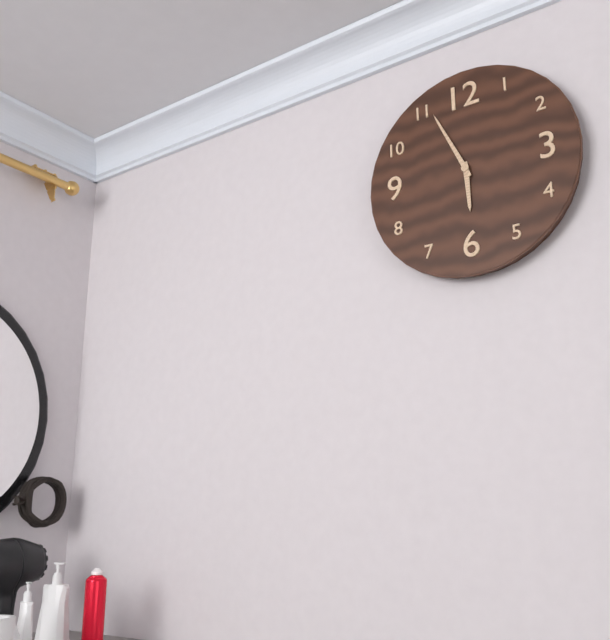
**5:56**
